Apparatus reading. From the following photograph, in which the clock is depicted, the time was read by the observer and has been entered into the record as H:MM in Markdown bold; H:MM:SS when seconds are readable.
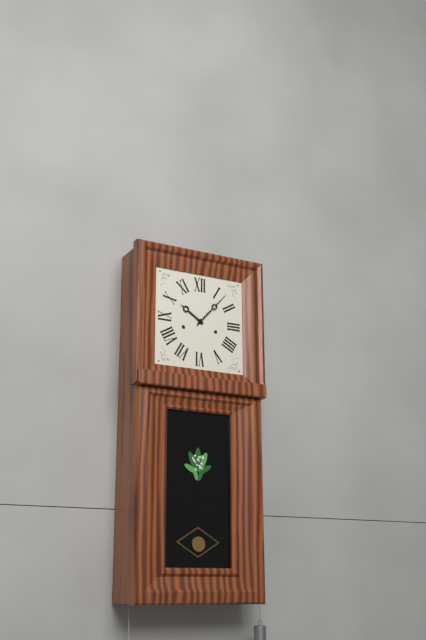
**10:07**
